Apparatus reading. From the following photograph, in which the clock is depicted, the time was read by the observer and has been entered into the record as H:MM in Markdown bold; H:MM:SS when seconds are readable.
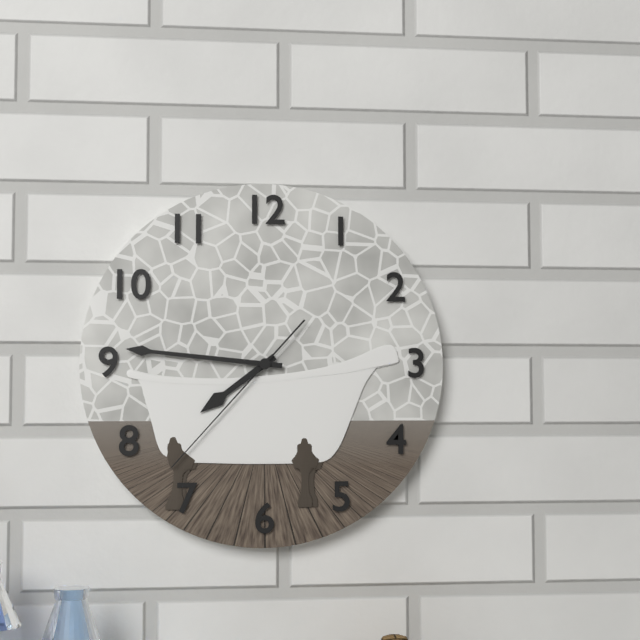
**7:46:37**
